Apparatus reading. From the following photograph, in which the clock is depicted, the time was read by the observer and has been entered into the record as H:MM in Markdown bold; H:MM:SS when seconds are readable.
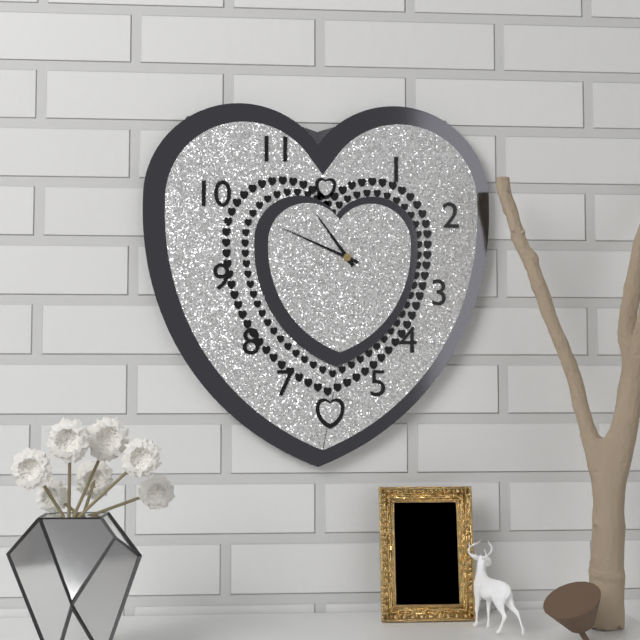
**10:49**
